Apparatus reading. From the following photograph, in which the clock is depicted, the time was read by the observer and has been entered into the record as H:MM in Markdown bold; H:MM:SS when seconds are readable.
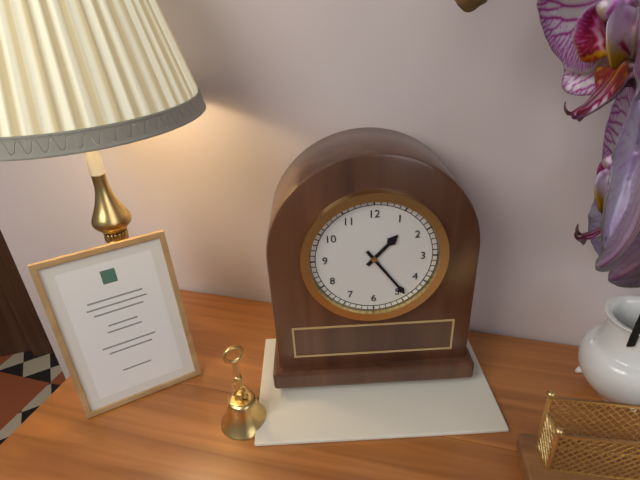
**1:24**
